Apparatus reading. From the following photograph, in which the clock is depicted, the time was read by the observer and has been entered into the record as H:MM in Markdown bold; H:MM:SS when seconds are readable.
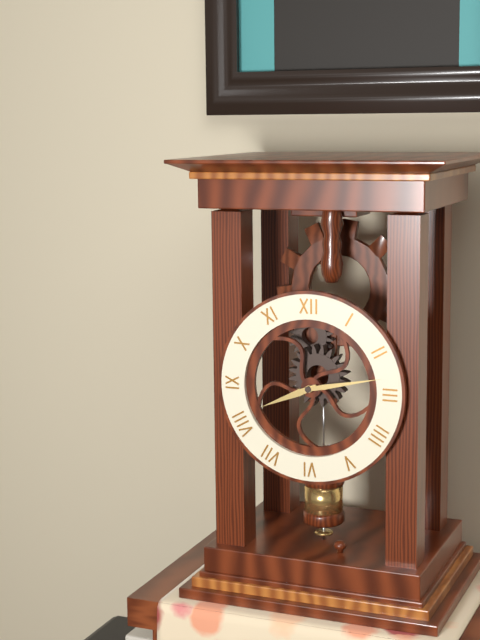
**8:13**
